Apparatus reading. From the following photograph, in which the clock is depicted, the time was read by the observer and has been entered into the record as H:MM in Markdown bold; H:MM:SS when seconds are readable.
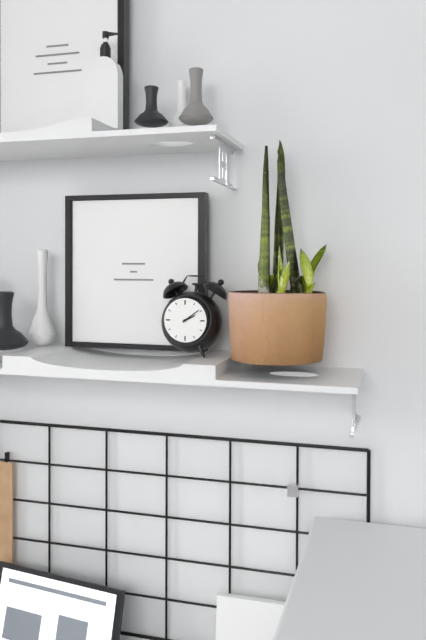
**2:09**
